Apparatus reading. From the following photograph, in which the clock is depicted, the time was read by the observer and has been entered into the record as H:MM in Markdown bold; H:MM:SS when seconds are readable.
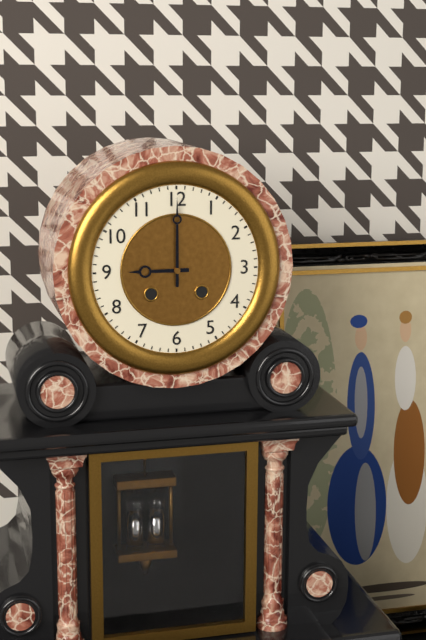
**9:00**
